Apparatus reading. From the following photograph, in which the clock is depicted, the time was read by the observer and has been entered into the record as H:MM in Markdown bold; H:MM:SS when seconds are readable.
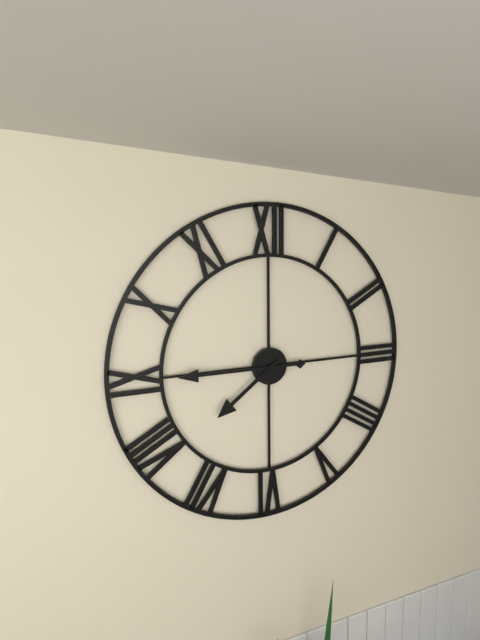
**7:45**
